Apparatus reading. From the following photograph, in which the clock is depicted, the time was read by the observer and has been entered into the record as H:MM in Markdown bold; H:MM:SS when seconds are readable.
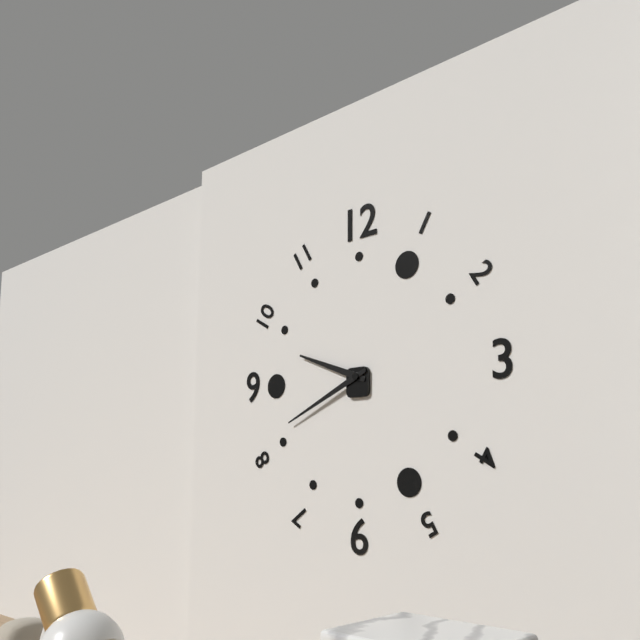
**9:41**
